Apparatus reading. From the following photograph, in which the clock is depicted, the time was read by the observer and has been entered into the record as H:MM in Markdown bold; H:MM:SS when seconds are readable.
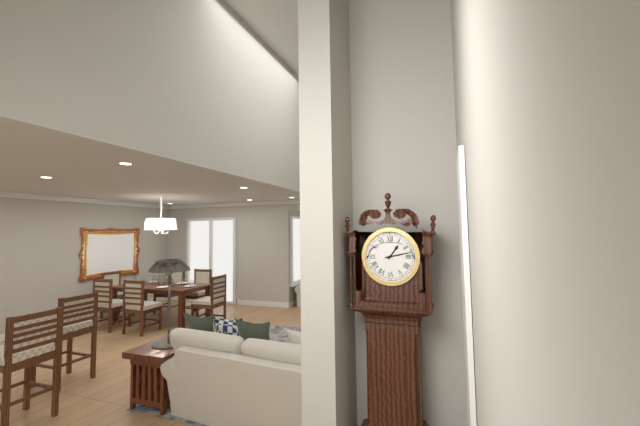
**1:13**
